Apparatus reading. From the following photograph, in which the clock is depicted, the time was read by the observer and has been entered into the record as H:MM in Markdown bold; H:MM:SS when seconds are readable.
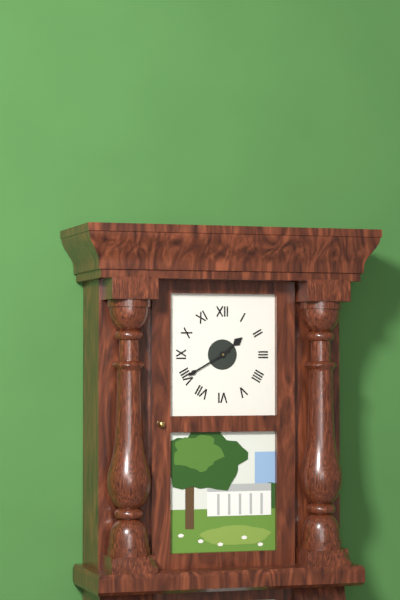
**1:40**
